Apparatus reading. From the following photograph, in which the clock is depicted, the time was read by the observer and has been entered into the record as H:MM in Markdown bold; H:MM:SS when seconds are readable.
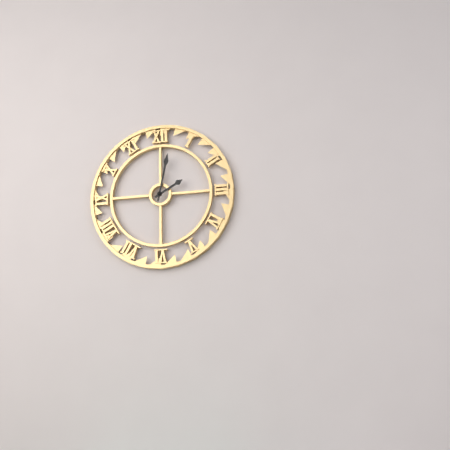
**2:02**
